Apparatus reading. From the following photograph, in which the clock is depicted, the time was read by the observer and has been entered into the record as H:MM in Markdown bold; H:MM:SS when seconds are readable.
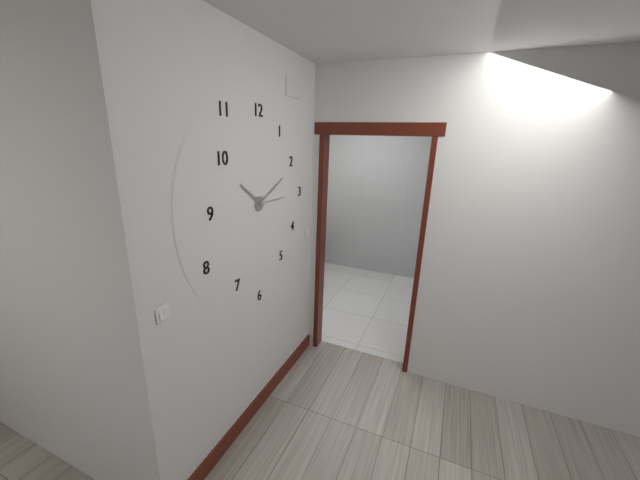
**10:11**
